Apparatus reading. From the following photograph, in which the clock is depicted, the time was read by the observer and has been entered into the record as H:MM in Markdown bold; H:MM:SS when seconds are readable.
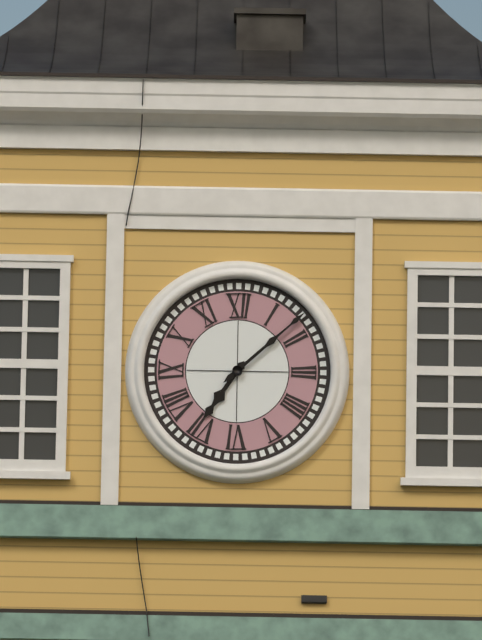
**7:08**
